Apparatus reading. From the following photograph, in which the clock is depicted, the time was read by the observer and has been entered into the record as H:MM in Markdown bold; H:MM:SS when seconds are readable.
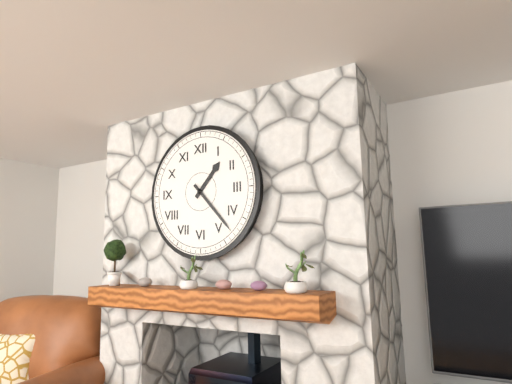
**1:23**
